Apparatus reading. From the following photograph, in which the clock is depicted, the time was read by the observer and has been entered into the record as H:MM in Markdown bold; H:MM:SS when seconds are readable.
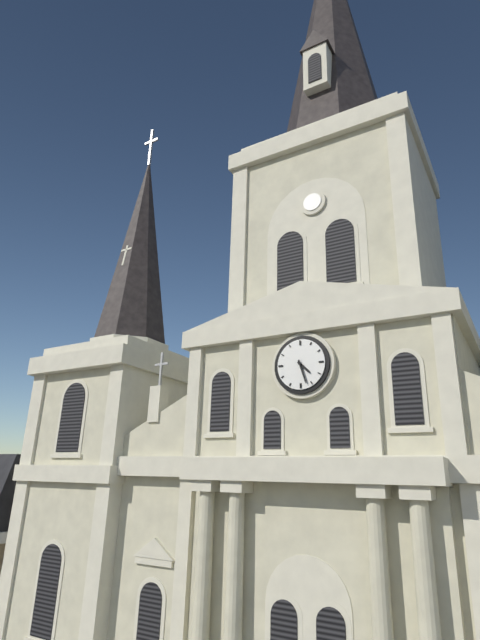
**4:27**
